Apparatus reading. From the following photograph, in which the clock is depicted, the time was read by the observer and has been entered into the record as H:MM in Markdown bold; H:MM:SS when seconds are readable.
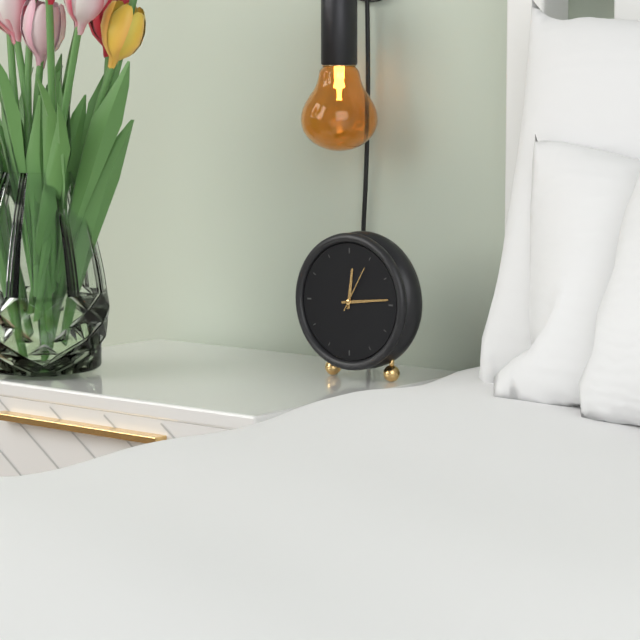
**12:14**
